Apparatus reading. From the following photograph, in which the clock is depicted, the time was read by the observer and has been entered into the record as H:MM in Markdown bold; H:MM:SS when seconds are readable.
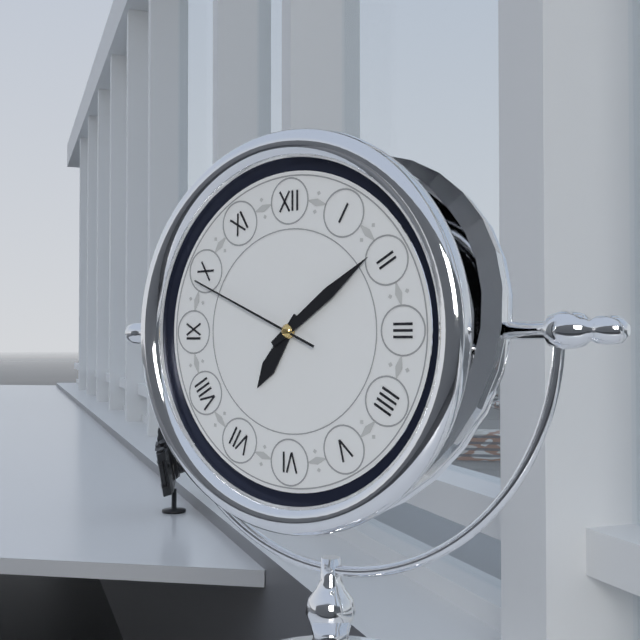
**7:09:49**
